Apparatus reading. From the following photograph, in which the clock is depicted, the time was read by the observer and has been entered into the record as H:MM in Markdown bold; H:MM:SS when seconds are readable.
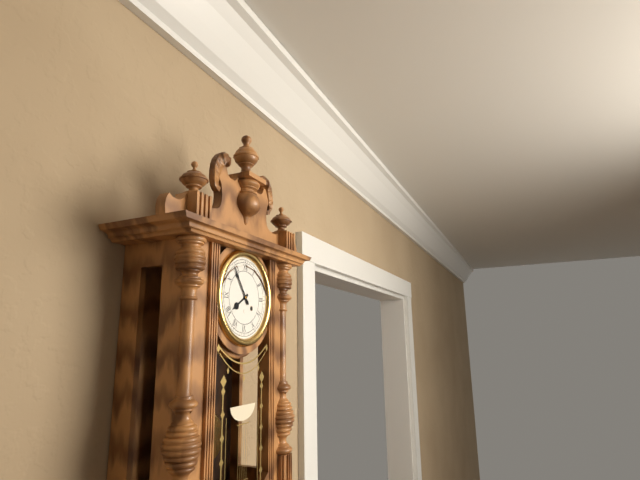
**7:54**
